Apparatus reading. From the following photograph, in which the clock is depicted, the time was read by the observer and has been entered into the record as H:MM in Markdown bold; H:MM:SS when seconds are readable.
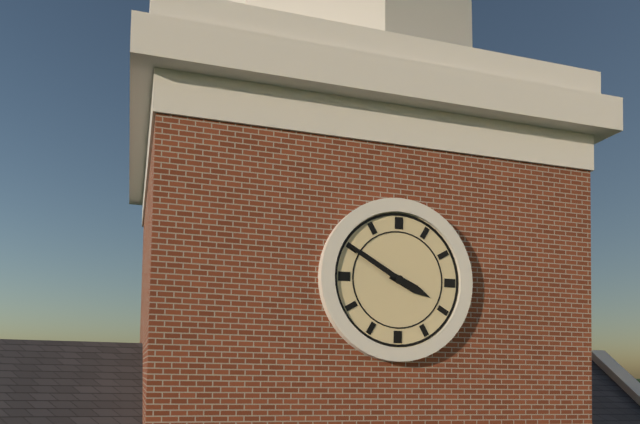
**3:50**
